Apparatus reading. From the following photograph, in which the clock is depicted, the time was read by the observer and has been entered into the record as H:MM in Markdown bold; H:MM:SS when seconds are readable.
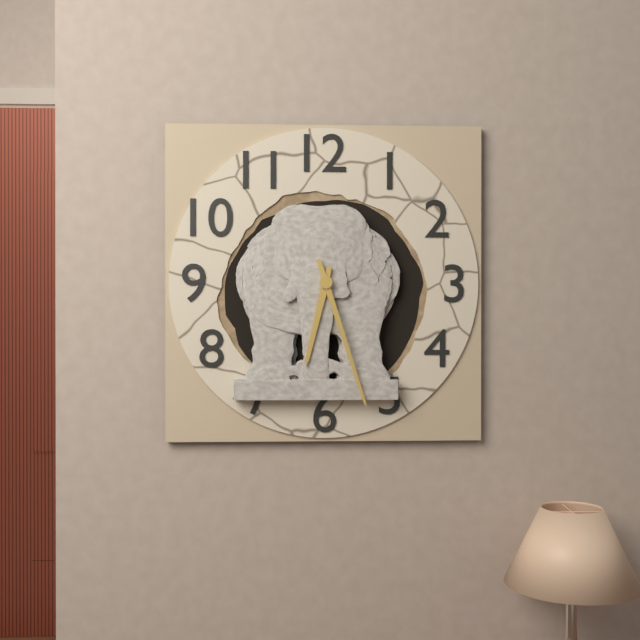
**6:27**
